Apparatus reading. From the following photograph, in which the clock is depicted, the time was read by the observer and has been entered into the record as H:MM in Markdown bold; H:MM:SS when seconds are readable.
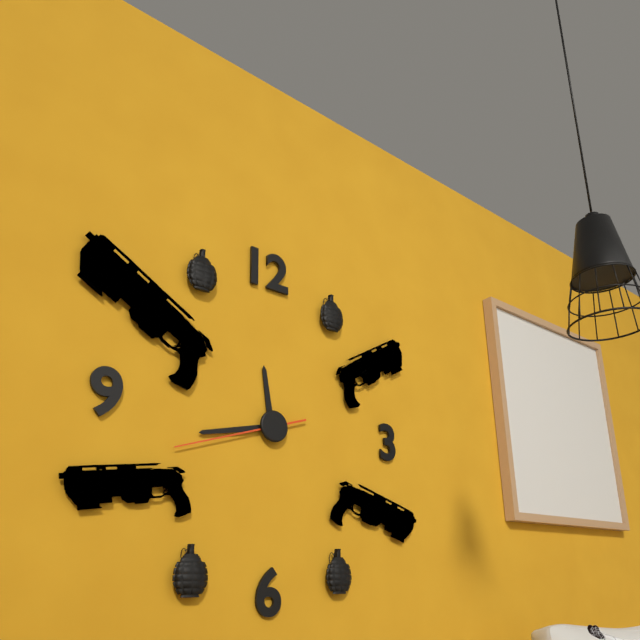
**11:43:42**
